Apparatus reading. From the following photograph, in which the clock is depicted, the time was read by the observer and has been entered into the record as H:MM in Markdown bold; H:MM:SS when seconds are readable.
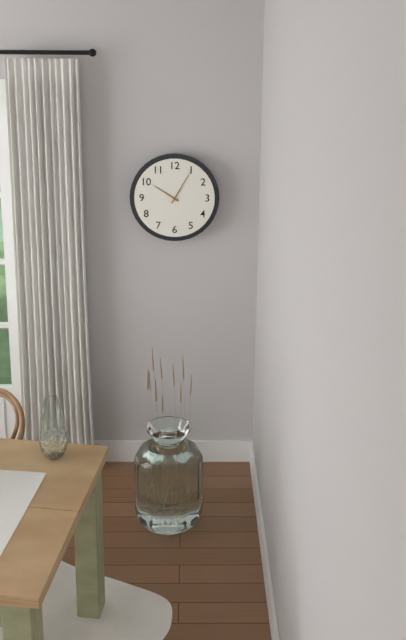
**10:05**
